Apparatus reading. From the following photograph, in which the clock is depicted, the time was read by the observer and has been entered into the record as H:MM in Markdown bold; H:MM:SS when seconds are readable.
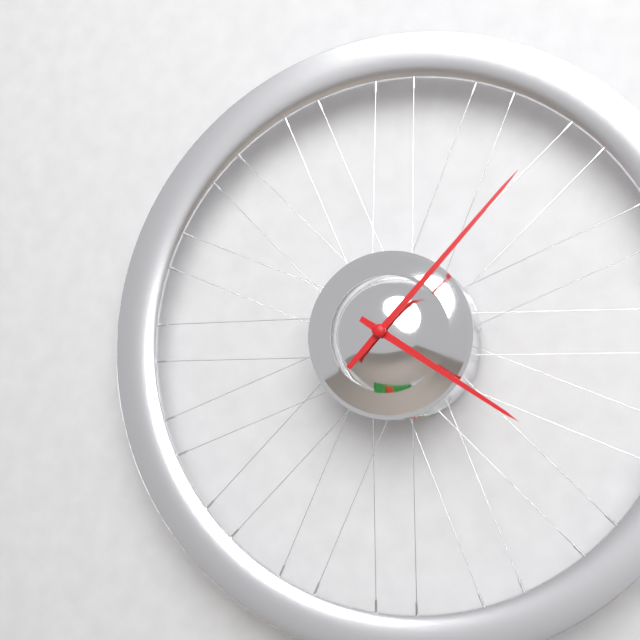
**4:07**
